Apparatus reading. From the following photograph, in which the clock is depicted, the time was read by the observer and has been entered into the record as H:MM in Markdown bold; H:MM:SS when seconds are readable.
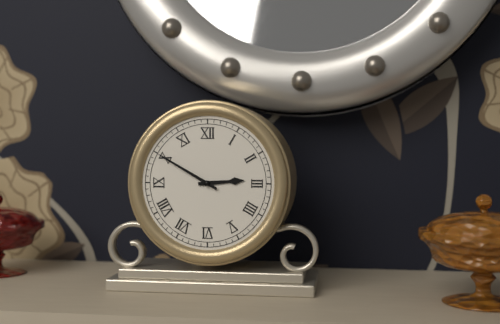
**2:50**
